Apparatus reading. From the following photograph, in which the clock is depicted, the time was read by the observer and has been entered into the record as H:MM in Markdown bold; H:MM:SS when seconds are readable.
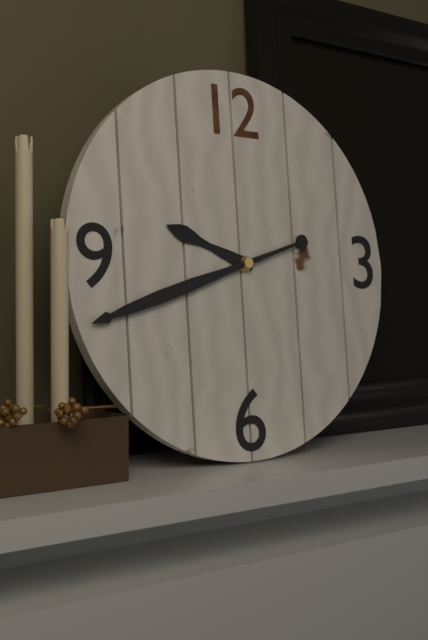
**9:42**
